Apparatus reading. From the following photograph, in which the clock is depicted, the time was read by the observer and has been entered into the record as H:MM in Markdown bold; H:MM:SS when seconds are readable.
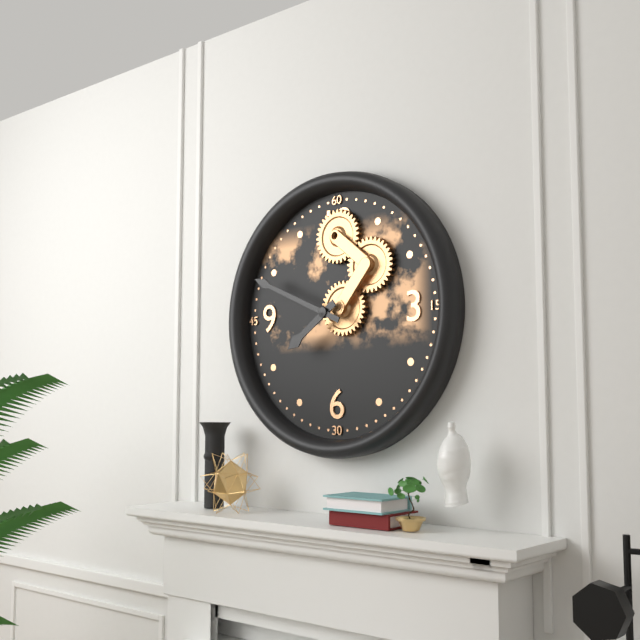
**7:49**
